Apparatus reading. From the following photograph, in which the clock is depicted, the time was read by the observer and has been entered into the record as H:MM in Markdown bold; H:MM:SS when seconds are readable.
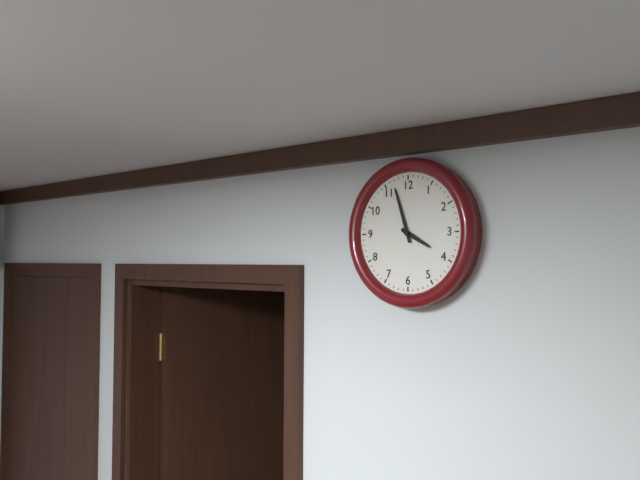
**3:57**
